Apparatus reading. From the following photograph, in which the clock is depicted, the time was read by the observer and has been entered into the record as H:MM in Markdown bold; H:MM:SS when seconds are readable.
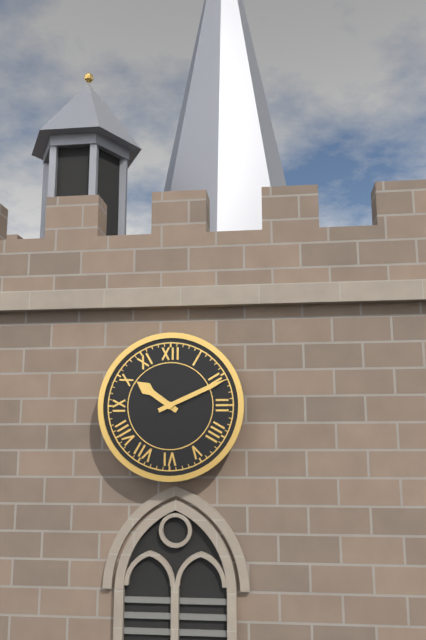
**10:11**
